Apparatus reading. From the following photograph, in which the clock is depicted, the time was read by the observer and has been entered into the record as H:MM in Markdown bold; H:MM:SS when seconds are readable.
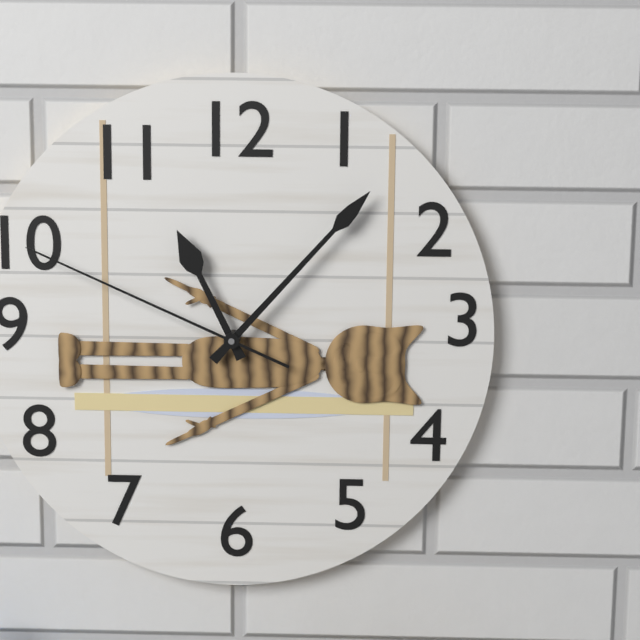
**11:07:49**
